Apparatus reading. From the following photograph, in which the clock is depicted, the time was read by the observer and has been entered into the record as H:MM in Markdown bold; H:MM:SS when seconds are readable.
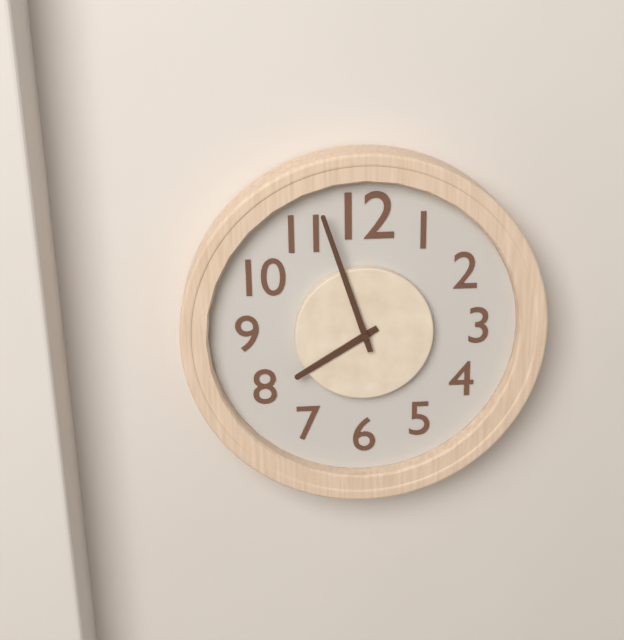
**7:57**
